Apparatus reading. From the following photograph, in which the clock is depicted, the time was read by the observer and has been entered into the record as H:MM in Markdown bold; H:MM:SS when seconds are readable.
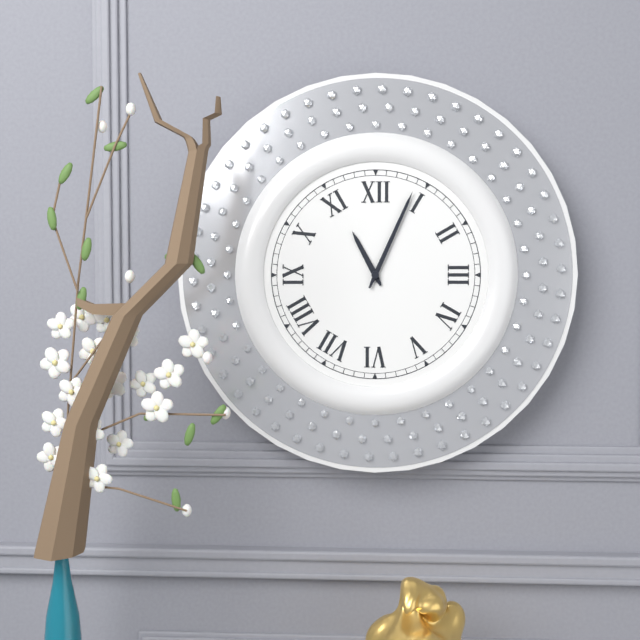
**11:04**
